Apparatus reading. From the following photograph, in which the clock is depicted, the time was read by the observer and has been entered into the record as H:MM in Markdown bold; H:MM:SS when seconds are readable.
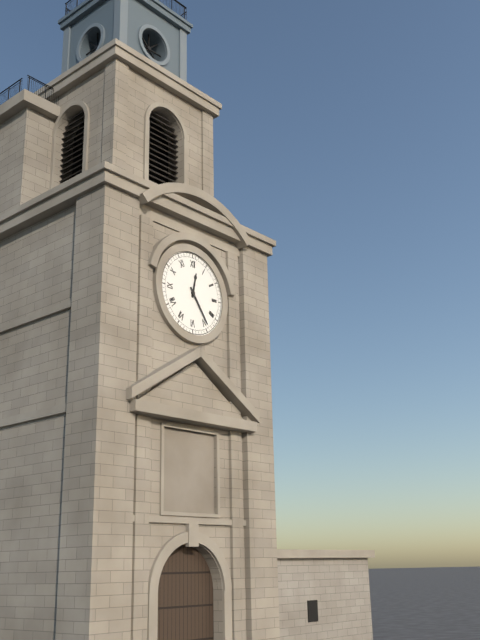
**12:24**
